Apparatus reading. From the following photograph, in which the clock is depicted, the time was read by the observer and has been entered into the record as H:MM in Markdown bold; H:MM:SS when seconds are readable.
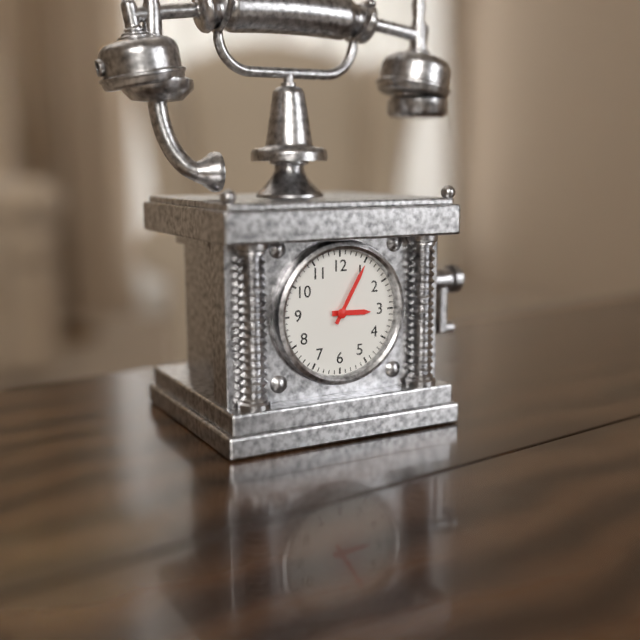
**3:05**
